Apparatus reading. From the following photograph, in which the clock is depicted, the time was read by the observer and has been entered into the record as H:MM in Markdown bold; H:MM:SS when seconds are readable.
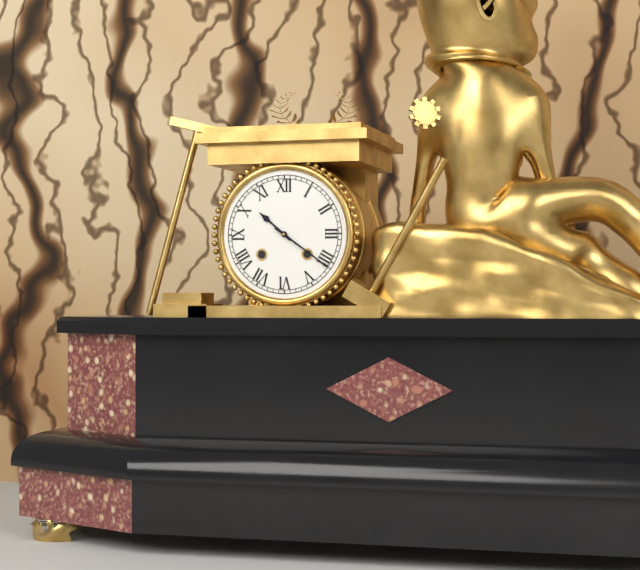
**10:21**
